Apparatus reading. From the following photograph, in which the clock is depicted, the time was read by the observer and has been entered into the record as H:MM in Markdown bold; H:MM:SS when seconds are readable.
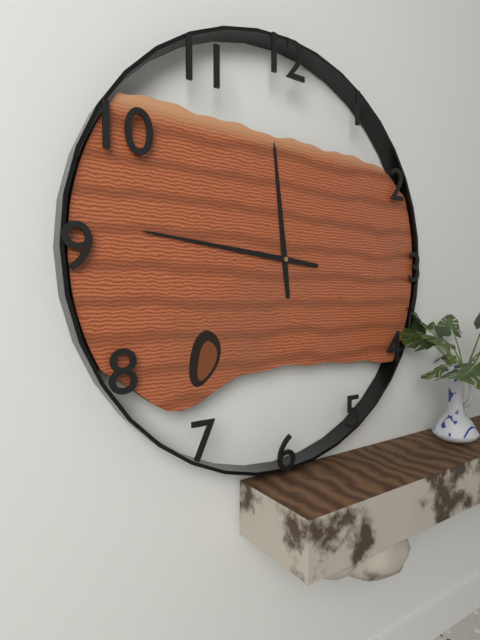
**11:46**
